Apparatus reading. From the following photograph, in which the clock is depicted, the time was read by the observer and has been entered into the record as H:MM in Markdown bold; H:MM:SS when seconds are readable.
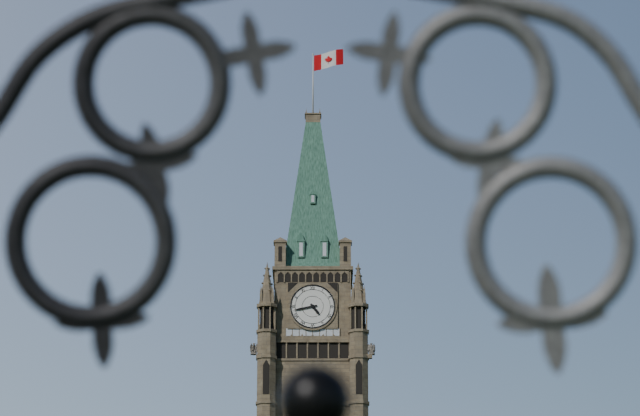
**4:43**
